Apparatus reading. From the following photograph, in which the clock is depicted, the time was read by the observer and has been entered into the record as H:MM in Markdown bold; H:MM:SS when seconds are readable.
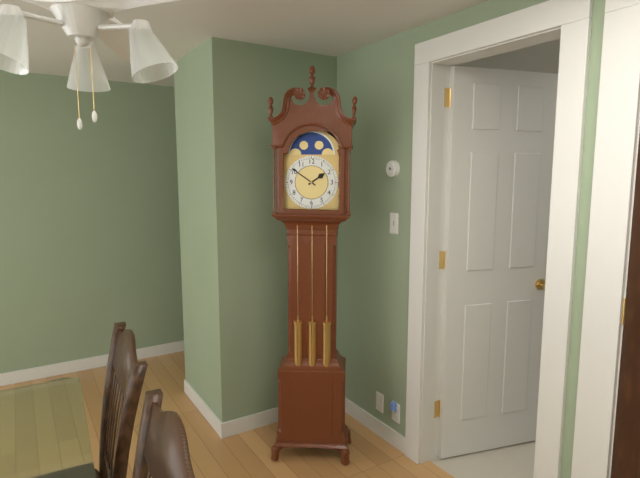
**1:51**
